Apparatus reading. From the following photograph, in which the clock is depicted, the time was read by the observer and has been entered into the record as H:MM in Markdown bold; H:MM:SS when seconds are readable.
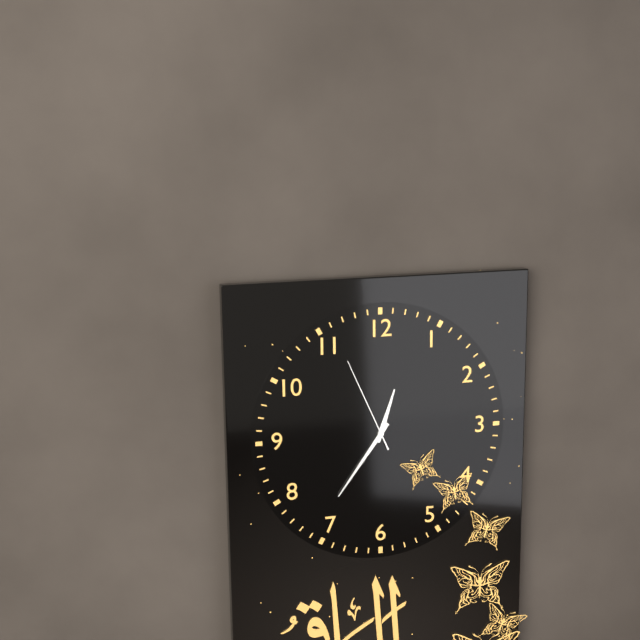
**12:36:56**
